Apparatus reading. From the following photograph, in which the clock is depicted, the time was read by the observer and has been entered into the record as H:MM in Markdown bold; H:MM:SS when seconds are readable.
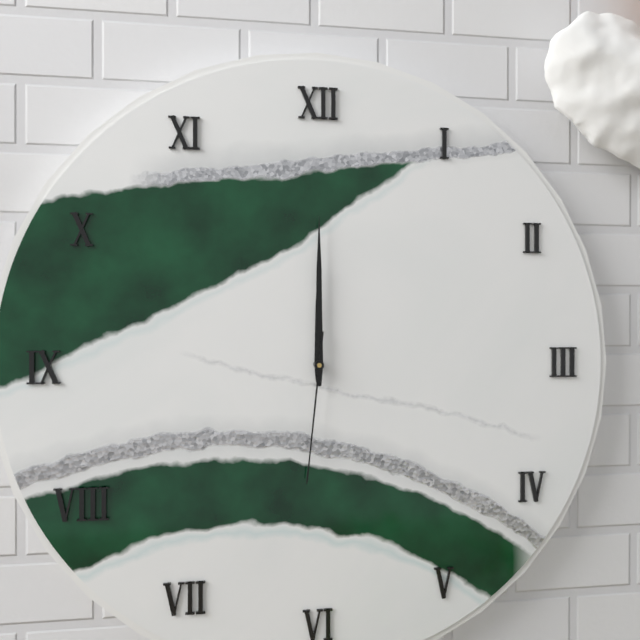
**12:00:31**
